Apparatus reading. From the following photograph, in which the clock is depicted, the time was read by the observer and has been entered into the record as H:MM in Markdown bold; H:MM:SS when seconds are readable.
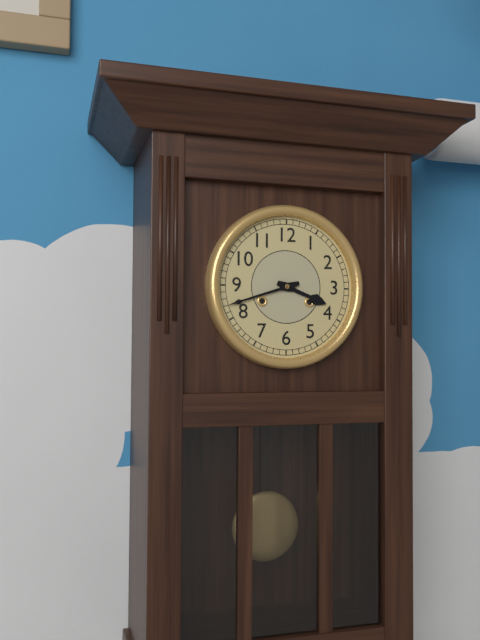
**3:42**
